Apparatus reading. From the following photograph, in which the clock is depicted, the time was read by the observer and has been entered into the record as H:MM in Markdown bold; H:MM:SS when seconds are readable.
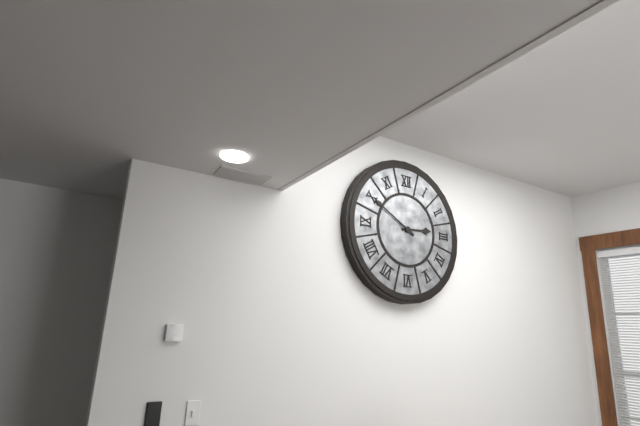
**2:50**
